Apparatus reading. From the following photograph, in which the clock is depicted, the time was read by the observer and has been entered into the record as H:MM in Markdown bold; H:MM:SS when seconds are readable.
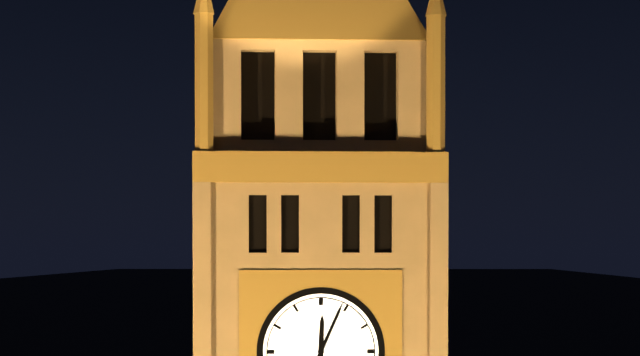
**12:04**
